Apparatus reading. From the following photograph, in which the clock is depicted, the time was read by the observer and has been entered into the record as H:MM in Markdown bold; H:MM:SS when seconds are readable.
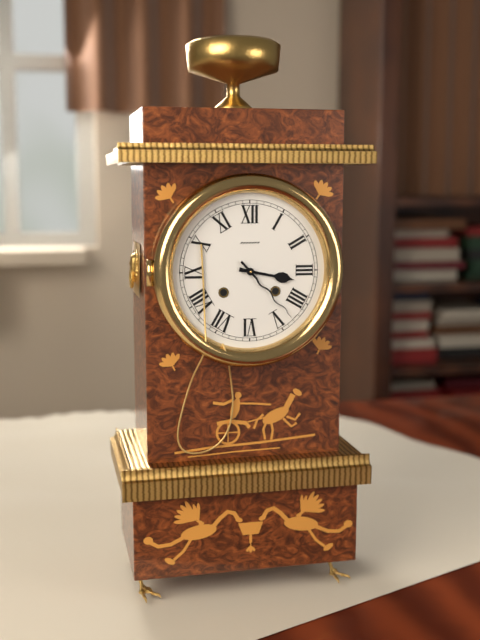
**3:23**
